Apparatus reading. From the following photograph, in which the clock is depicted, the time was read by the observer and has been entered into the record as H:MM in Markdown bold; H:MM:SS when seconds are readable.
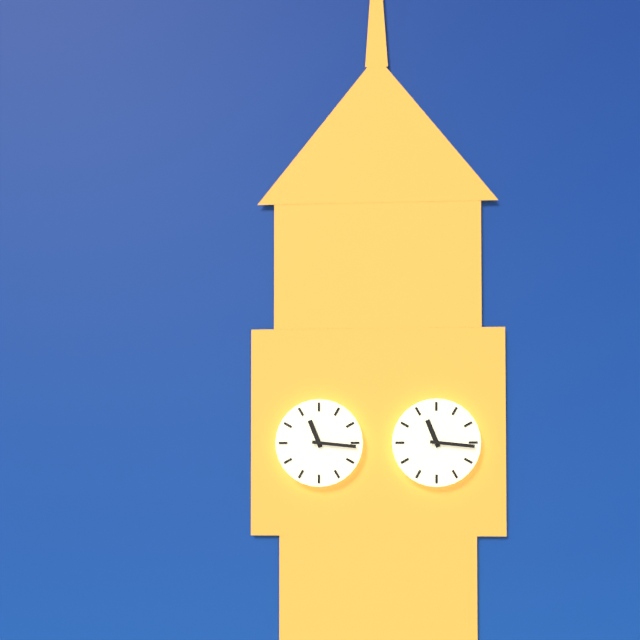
**11:16**
